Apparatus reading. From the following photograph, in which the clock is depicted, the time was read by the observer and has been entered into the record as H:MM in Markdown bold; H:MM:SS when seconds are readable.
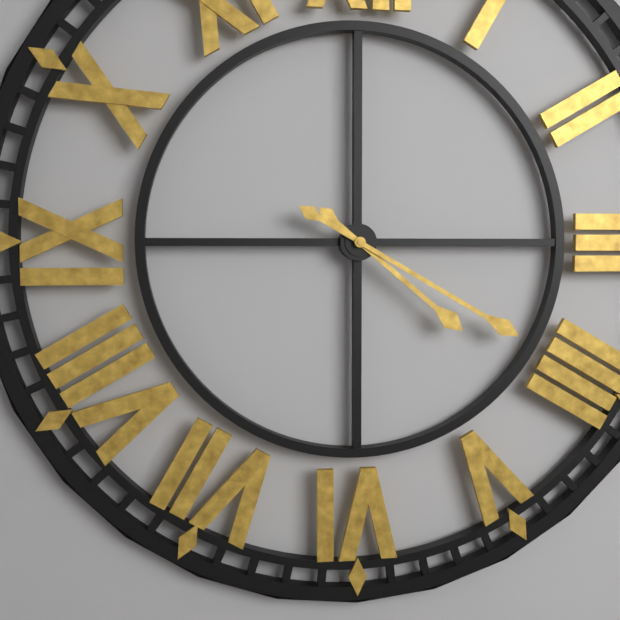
**4:20**
